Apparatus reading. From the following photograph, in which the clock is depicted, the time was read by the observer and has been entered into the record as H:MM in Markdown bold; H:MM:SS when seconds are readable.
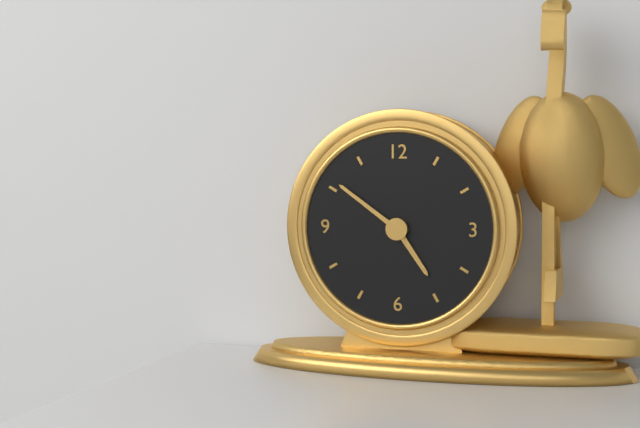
**4:51**
